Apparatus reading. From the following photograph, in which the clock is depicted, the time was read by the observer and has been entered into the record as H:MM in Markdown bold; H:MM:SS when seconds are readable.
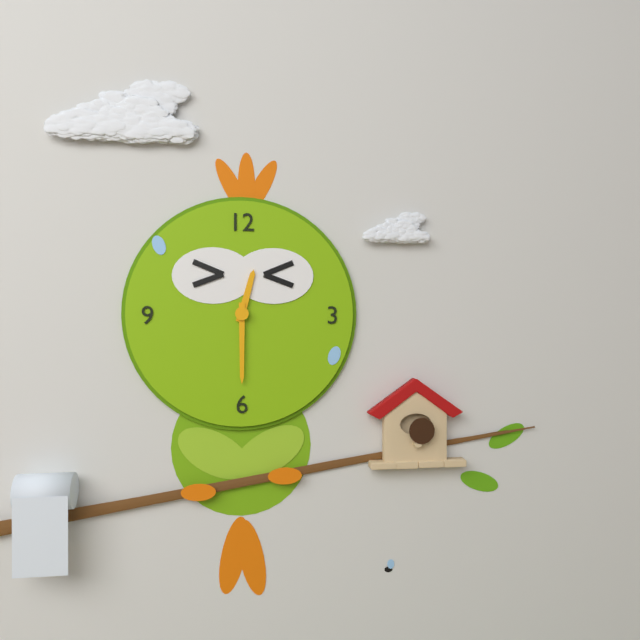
**12:30**
